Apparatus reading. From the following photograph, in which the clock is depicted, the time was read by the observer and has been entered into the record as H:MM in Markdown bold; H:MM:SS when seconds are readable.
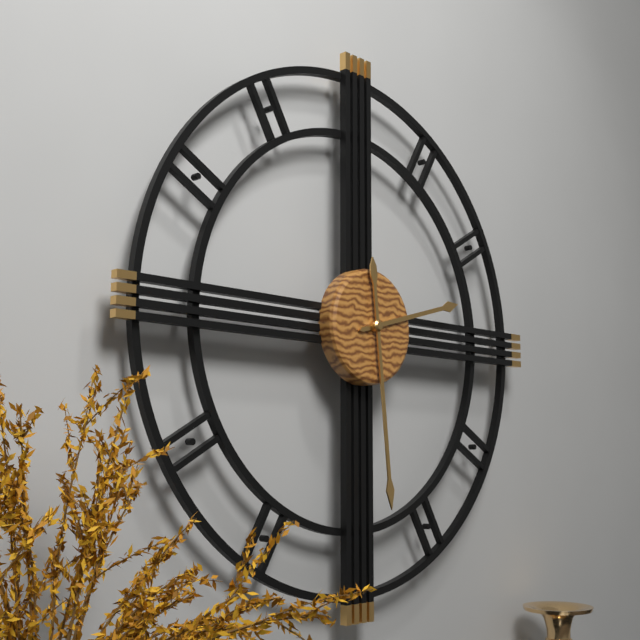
**2:29**
